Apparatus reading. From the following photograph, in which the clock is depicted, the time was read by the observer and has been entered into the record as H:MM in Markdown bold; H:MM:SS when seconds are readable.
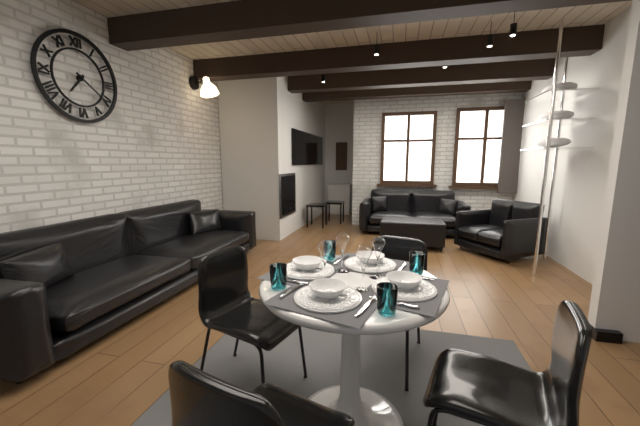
**7:21**
